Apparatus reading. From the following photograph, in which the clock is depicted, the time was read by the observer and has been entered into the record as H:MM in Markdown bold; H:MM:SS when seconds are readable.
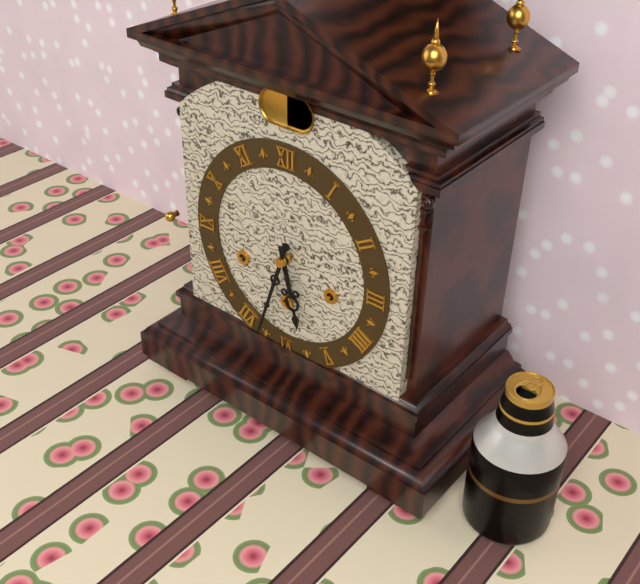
**5:33**
